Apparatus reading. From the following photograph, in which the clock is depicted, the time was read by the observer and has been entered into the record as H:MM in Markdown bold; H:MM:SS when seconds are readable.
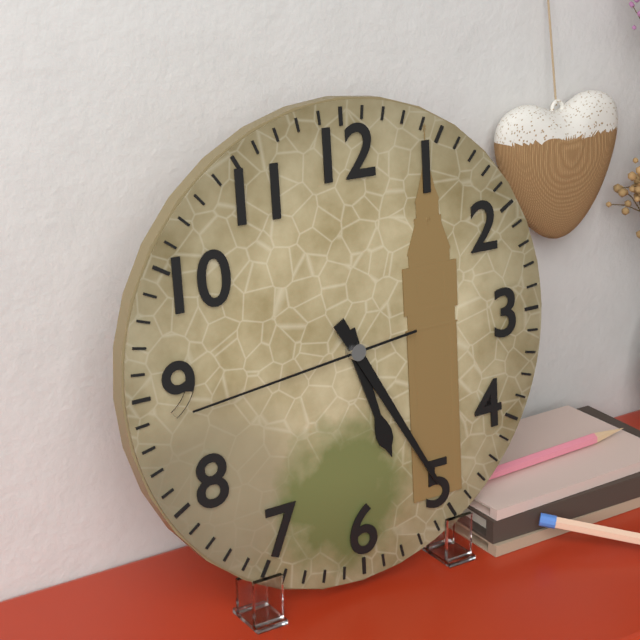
**5:25:44**
